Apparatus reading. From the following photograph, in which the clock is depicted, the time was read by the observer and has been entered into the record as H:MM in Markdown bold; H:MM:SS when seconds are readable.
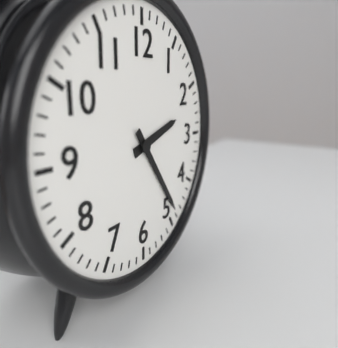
**2:24**
